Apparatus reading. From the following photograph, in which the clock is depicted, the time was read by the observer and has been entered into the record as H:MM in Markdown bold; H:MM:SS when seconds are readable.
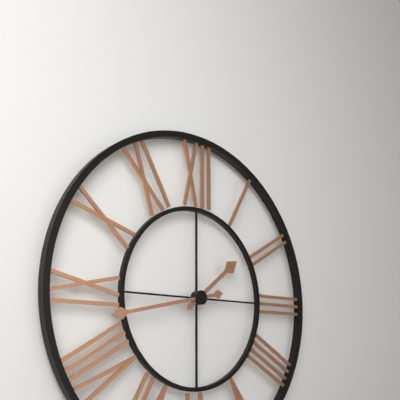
**1:43**
